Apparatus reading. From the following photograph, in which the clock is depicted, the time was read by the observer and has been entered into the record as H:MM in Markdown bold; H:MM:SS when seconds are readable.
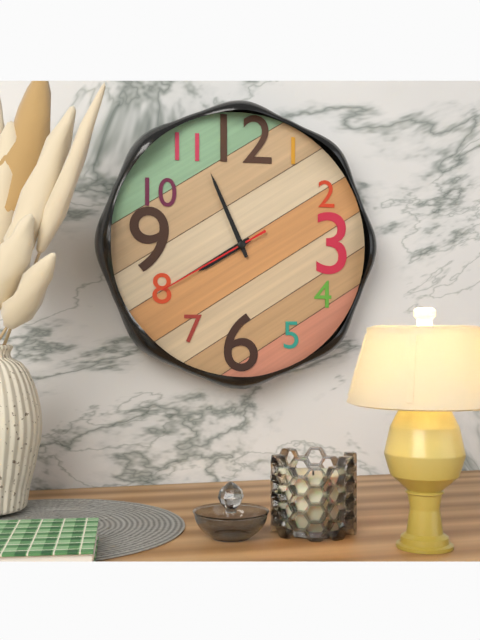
**7:56:40**
